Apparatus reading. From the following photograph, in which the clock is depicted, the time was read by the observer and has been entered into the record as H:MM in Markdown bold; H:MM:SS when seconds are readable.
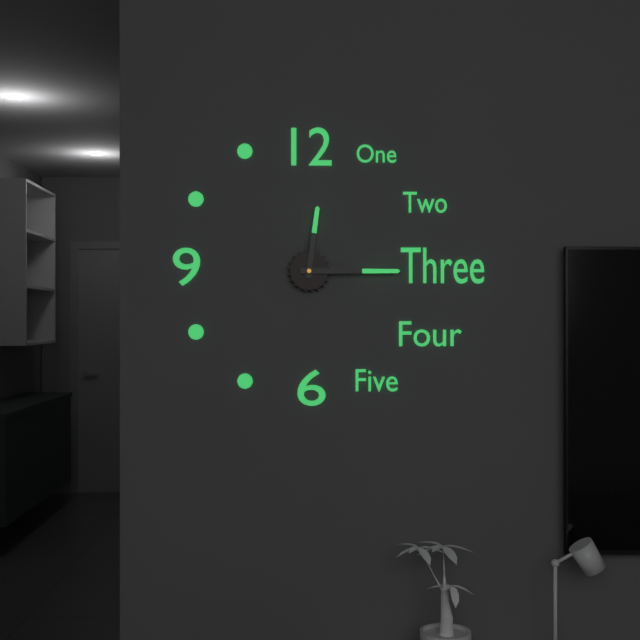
**12:15**
